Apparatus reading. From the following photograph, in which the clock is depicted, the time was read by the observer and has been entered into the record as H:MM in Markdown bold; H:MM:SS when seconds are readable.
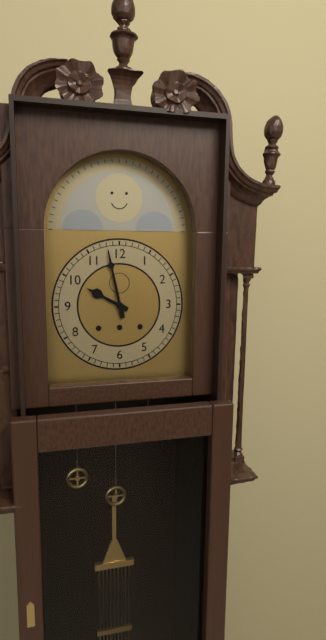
**9:58**
